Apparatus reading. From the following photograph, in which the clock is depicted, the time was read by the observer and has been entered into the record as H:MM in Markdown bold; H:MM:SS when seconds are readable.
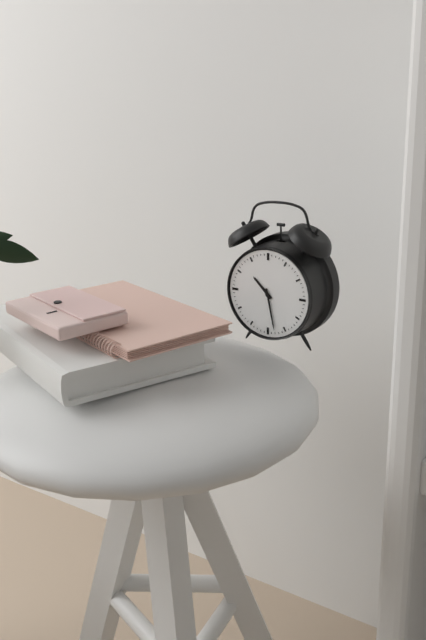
**10:28**
